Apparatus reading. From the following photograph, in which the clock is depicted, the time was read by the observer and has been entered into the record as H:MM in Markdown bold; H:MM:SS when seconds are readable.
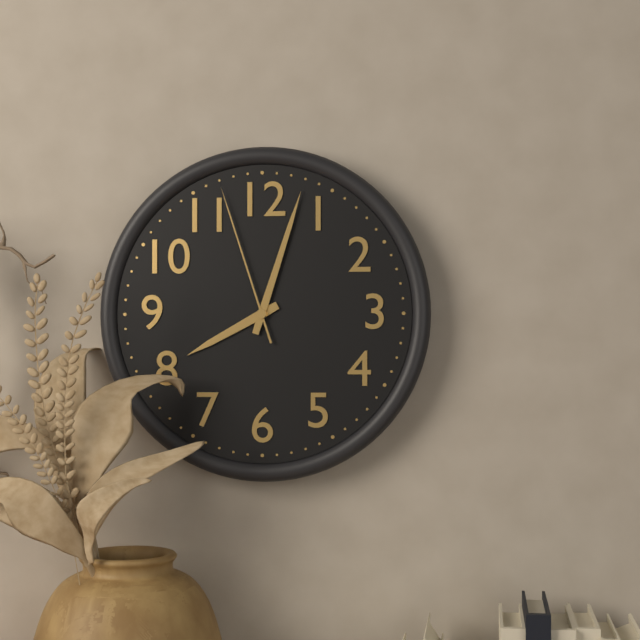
**8:03:57**
